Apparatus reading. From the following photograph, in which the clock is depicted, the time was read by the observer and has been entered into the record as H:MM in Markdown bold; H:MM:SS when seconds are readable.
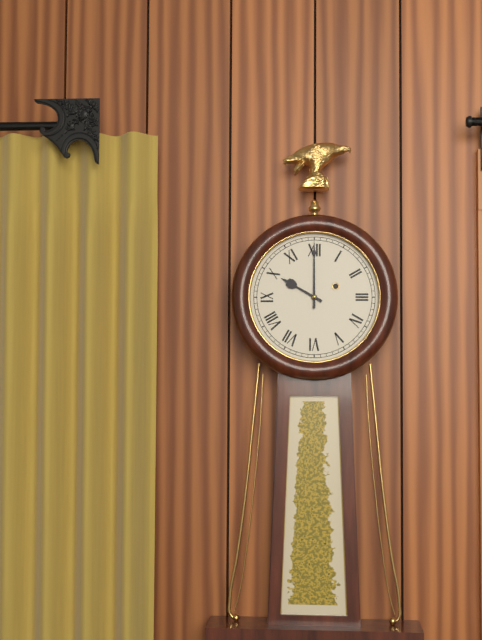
**10:00**
